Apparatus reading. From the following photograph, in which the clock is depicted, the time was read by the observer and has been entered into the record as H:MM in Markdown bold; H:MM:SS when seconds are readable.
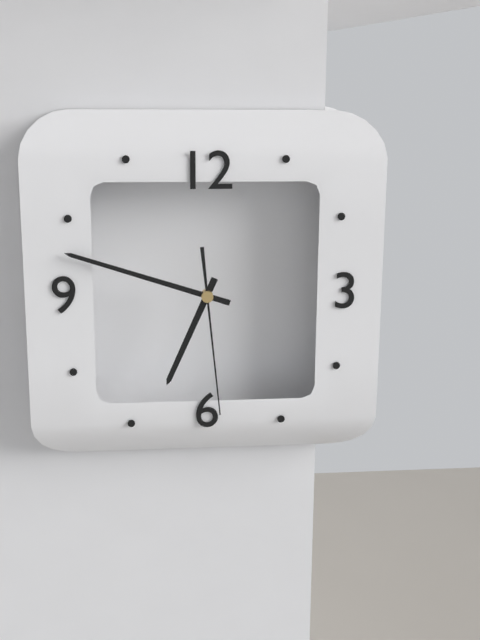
**6:48:29**
